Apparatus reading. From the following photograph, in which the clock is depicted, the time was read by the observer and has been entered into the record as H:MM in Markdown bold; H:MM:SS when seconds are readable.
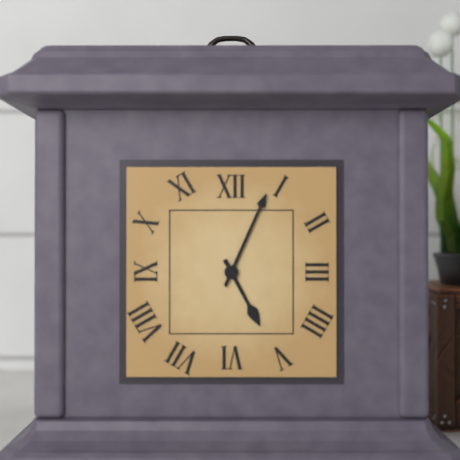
**5:04**
